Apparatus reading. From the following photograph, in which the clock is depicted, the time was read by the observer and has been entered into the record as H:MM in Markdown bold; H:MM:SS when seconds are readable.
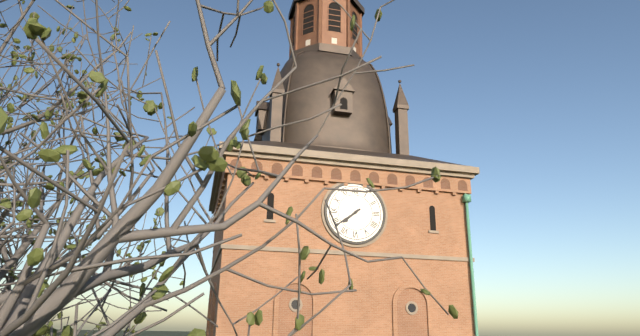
**7:39**
